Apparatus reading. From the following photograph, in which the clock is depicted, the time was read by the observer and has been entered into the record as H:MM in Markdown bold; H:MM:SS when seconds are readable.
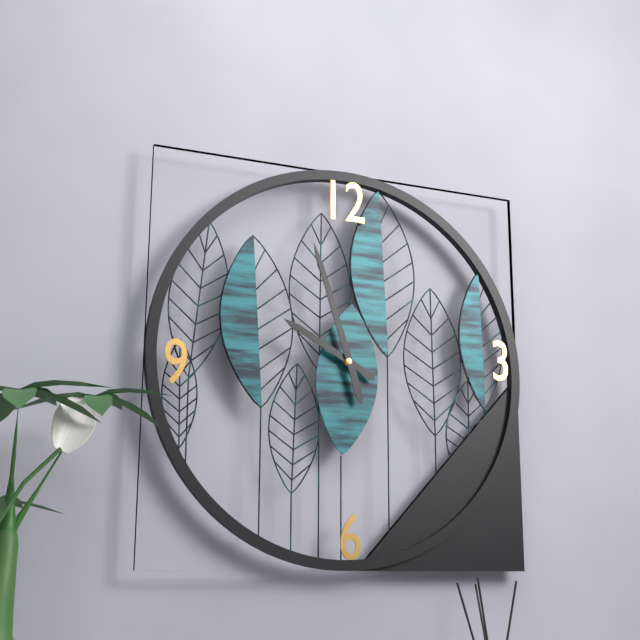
**9:57**
